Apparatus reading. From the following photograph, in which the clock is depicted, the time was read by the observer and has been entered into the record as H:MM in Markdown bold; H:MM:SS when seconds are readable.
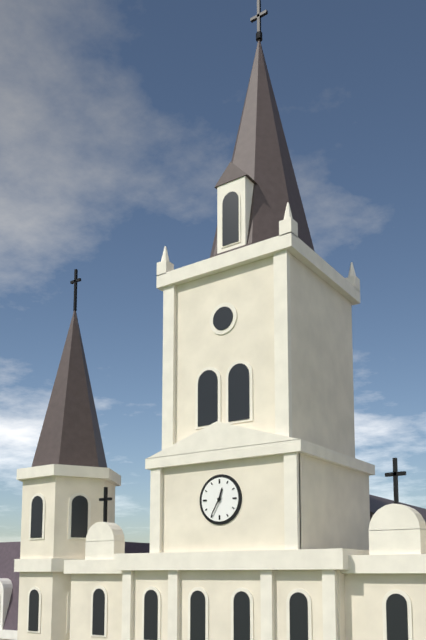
**12:35**
